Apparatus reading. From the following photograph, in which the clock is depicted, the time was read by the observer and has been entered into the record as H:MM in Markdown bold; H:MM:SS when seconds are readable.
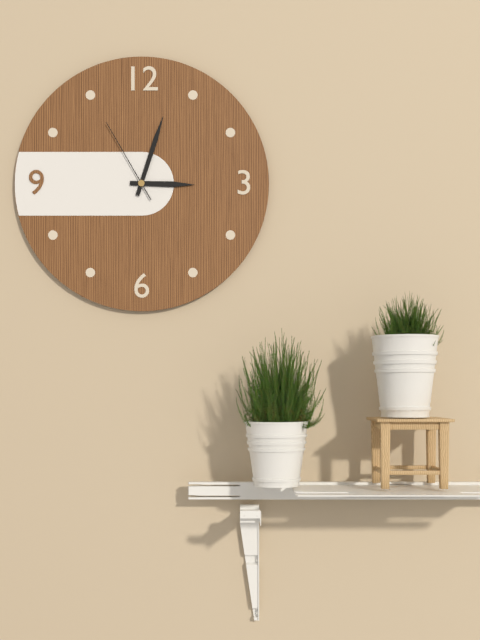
**3:03:55**
